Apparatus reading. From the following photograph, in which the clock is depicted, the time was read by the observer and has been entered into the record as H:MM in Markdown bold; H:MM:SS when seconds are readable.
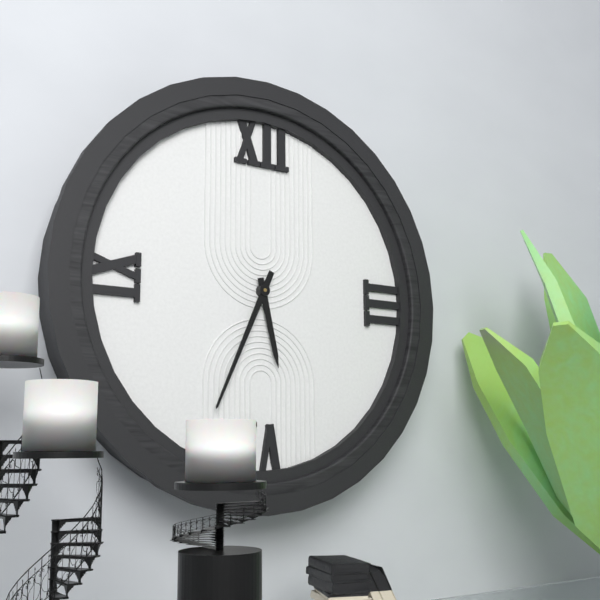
**5:34**
